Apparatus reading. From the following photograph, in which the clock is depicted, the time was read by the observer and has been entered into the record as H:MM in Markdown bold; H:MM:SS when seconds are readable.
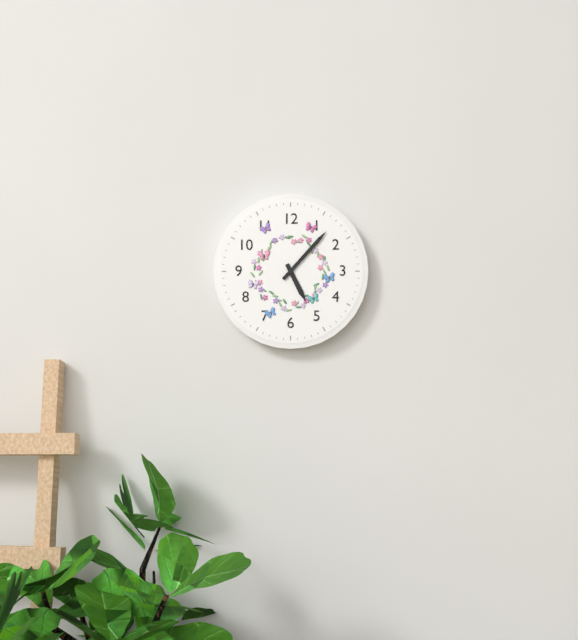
**5:07**
